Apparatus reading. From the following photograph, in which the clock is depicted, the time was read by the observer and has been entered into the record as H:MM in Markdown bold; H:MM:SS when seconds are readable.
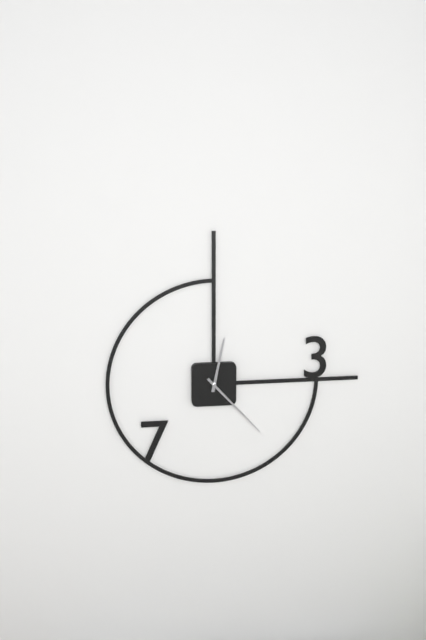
**12:23**
